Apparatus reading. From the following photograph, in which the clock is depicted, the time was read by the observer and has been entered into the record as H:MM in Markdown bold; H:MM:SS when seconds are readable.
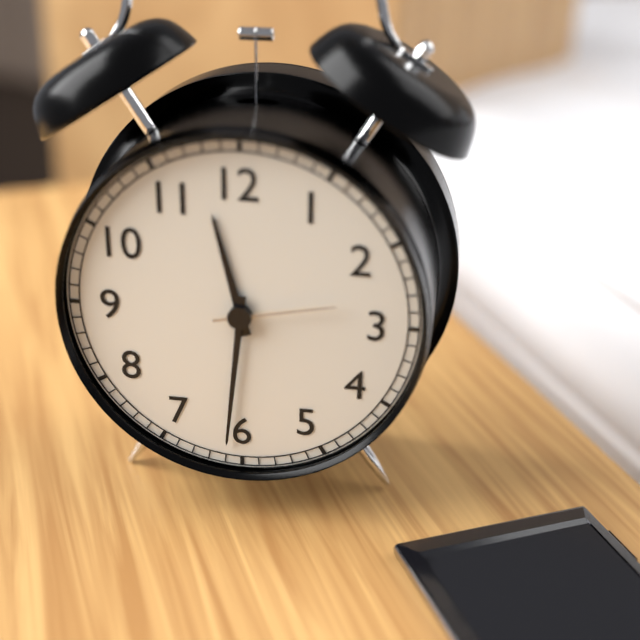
**11:31:13**
